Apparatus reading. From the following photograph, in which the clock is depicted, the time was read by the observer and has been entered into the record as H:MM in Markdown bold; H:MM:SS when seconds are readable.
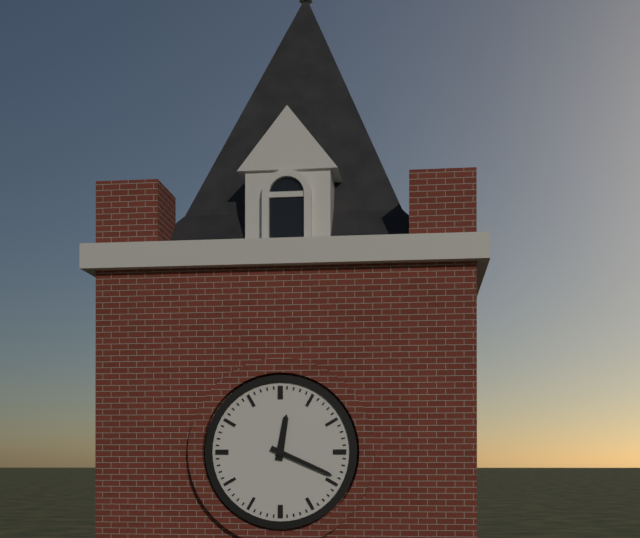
**12:19**
